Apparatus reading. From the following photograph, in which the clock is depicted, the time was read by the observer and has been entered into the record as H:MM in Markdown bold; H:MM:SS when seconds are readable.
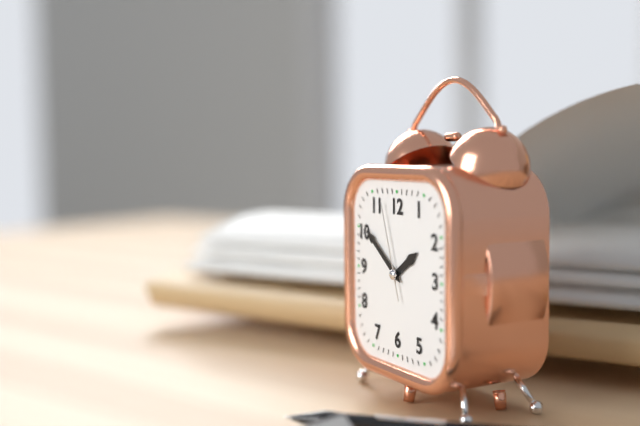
**1:51:57**
